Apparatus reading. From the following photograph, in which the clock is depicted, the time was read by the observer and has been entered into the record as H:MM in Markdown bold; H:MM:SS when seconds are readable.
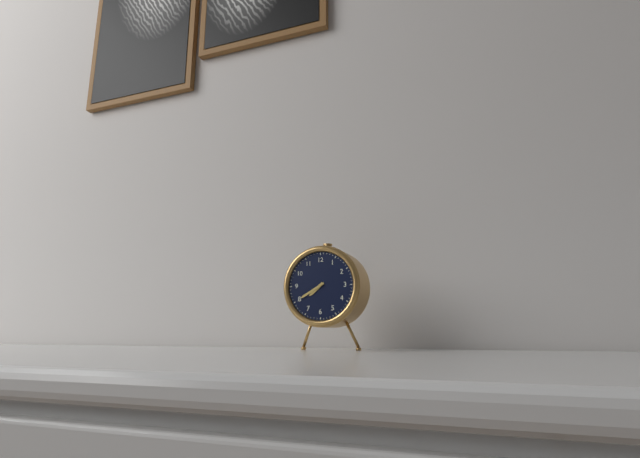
**7:40**
